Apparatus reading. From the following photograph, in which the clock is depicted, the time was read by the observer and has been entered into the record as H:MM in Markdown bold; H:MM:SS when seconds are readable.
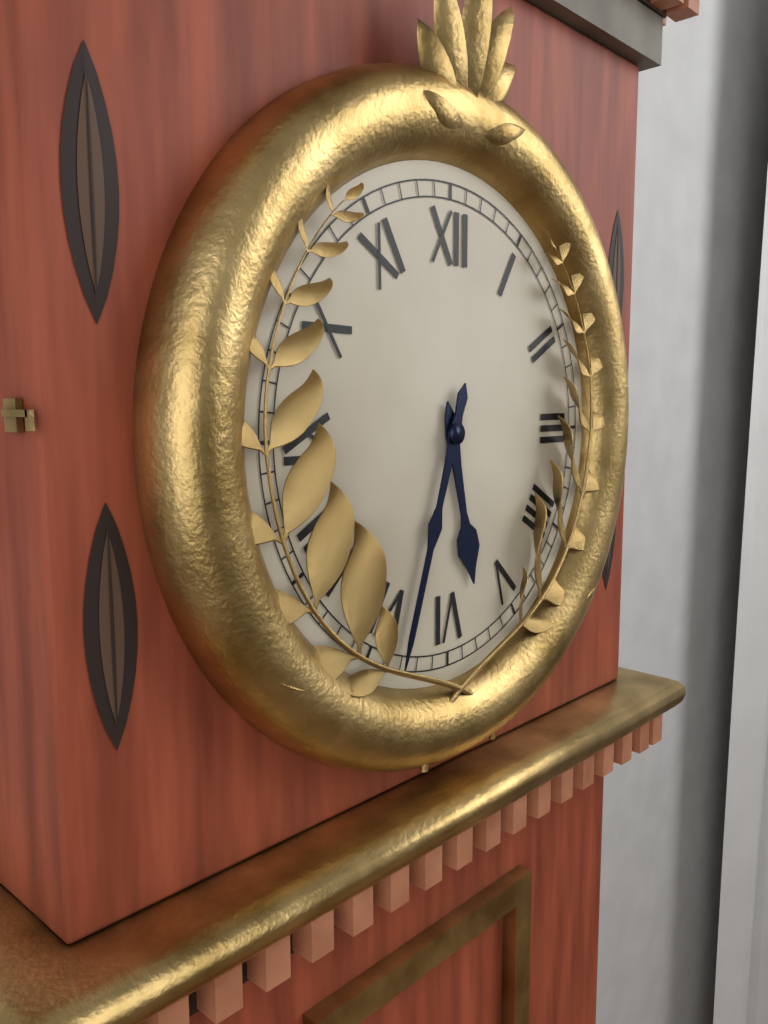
**5:33**
